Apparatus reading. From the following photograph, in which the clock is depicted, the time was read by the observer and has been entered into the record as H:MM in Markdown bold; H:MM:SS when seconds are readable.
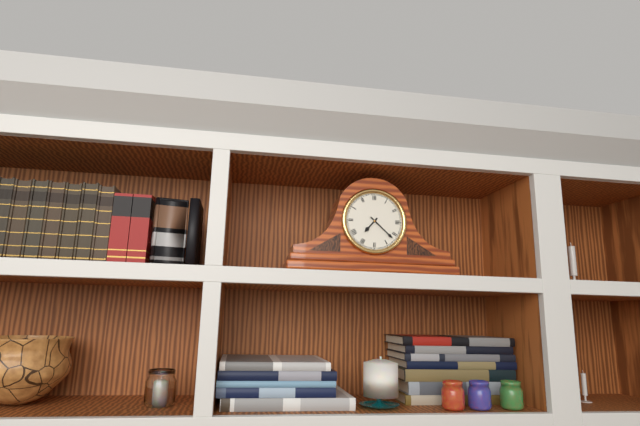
**7:22**
